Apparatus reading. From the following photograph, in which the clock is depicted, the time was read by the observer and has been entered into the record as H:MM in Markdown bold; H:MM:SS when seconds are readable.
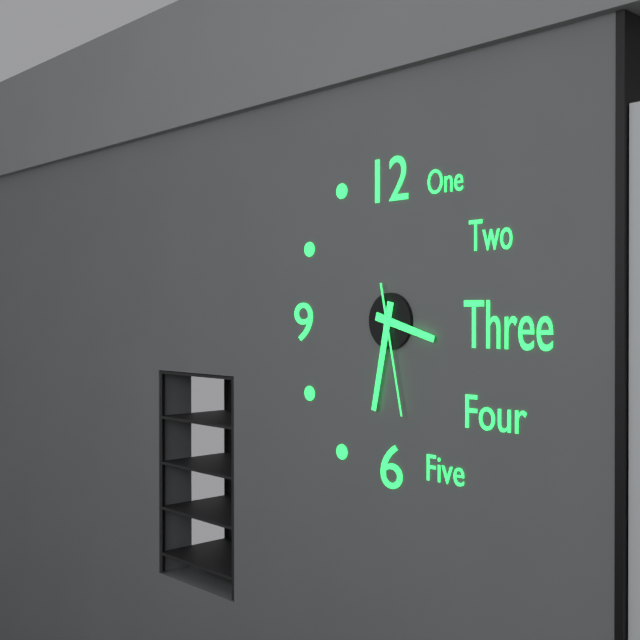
**3:32:28**
